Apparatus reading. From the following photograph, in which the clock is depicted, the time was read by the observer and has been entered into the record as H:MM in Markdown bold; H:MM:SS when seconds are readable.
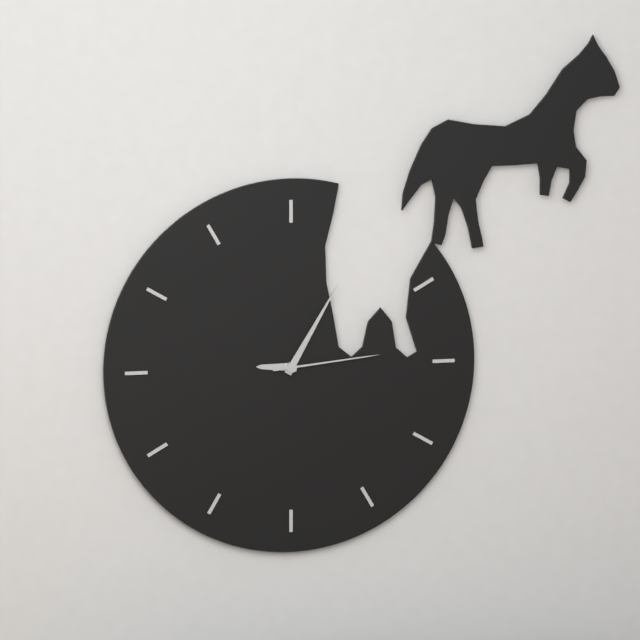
**9:05:14**
